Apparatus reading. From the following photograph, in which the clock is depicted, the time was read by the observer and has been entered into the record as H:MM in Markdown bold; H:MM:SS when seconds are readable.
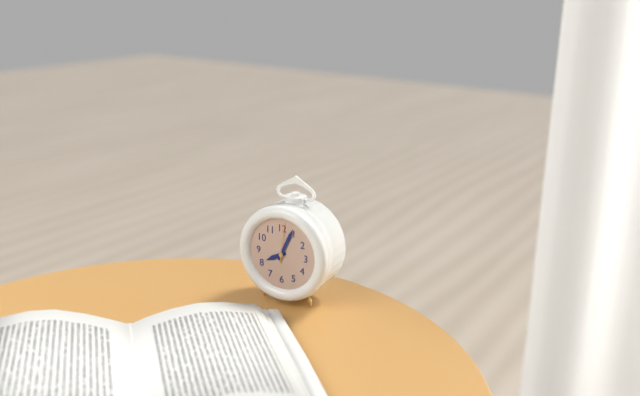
**8:04**
